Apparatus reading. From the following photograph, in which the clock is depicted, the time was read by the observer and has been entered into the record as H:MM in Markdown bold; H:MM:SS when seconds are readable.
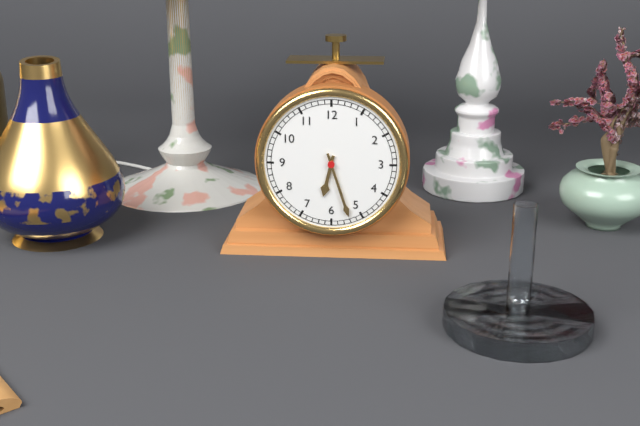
**6:27**
